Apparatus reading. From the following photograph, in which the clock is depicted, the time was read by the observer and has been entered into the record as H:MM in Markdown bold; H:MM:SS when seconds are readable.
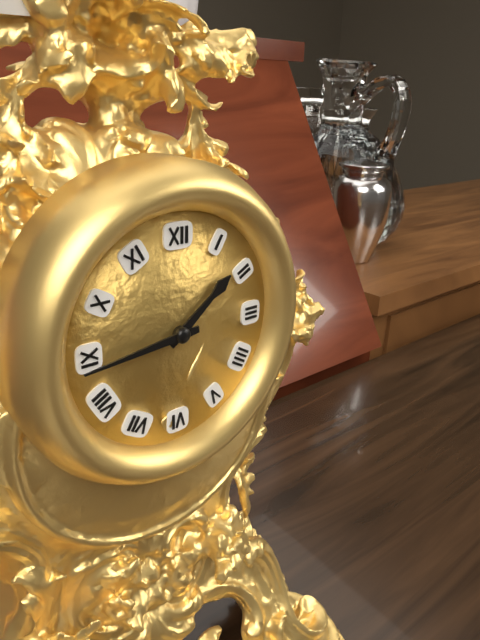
**1:44**
